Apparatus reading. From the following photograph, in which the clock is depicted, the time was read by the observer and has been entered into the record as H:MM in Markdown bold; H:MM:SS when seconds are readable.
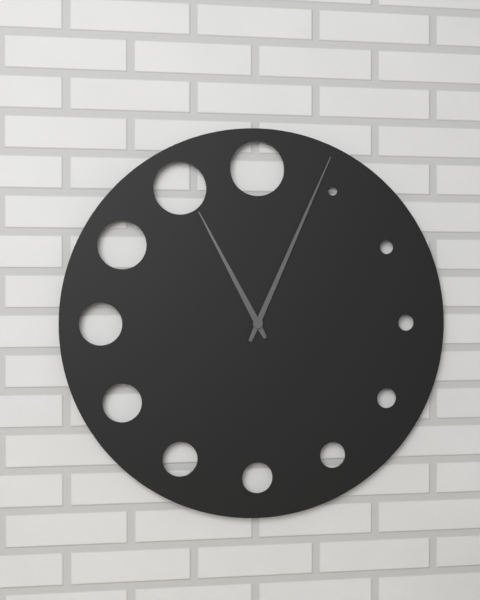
**11:04**
